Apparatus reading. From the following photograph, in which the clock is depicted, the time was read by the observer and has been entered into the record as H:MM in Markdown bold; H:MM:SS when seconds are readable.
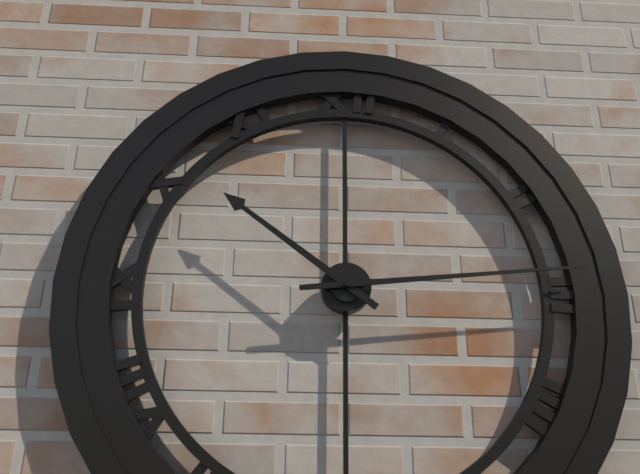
**10:14**
